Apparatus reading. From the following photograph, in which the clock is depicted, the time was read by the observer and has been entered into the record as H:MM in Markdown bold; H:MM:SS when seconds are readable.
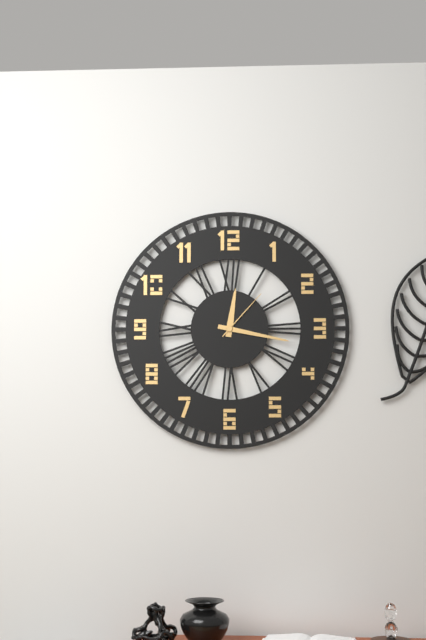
**12:17:07**
